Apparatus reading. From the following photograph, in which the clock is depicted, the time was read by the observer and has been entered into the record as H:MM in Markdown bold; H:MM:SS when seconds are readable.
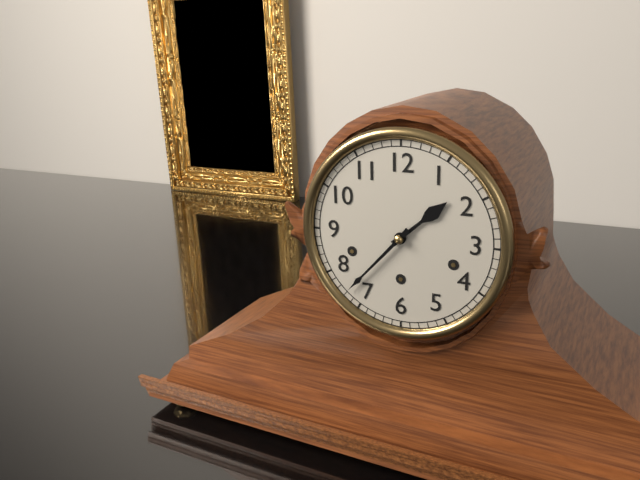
**1:37**
